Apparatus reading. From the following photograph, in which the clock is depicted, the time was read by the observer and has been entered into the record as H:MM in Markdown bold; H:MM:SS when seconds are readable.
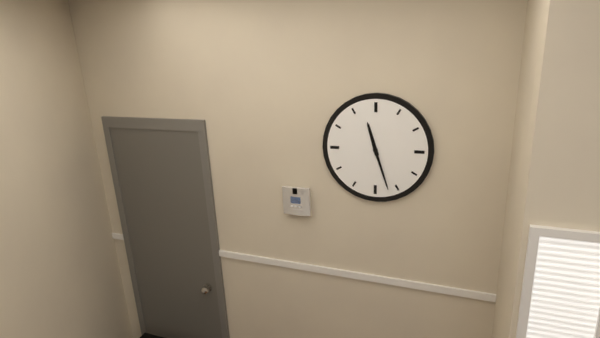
**11:27**
